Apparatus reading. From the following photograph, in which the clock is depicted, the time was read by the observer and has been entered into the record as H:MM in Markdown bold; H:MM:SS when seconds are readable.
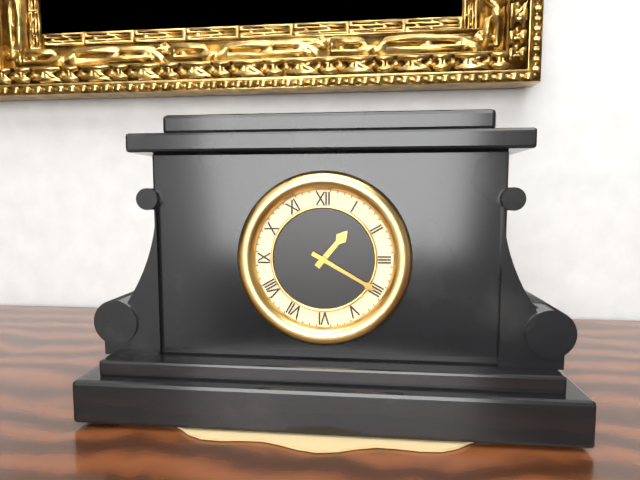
**1:20**
